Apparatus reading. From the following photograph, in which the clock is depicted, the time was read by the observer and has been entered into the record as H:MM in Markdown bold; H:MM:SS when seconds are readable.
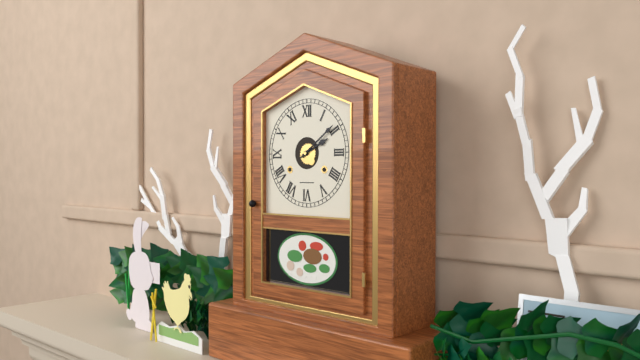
**2:09**
